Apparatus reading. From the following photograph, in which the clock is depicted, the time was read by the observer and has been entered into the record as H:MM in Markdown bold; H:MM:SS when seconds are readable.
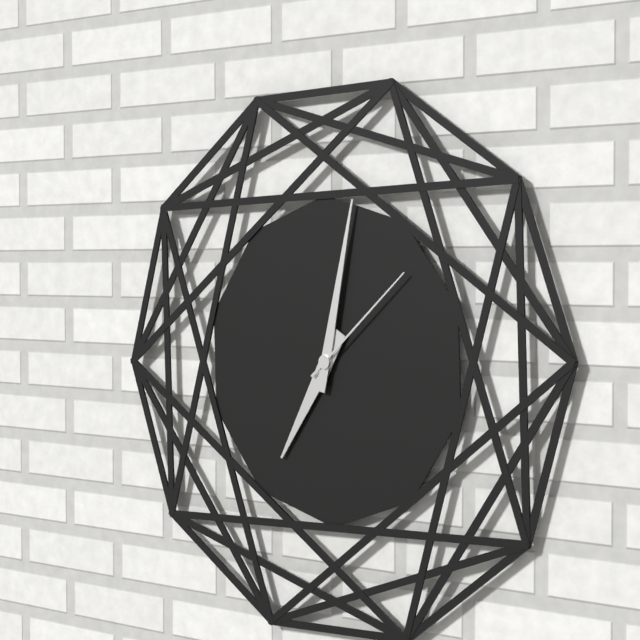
**7:02:08**
